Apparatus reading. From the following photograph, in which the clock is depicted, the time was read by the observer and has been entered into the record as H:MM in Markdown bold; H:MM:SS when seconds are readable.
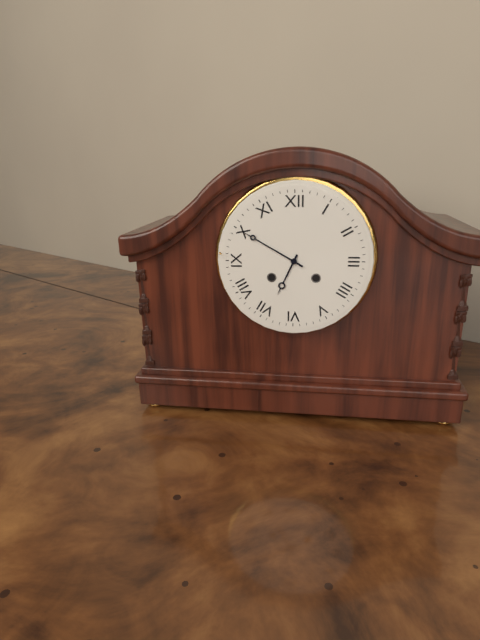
**6:50**
